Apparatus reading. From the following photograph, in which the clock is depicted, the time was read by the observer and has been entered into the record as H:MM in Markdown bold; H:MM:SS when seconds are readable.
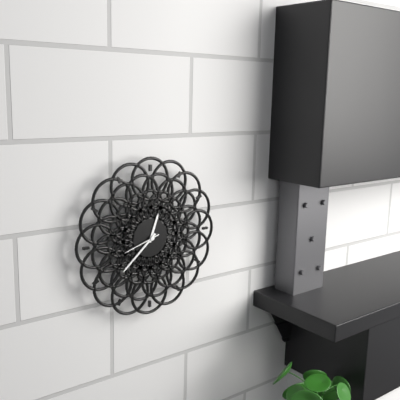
**12:38**
